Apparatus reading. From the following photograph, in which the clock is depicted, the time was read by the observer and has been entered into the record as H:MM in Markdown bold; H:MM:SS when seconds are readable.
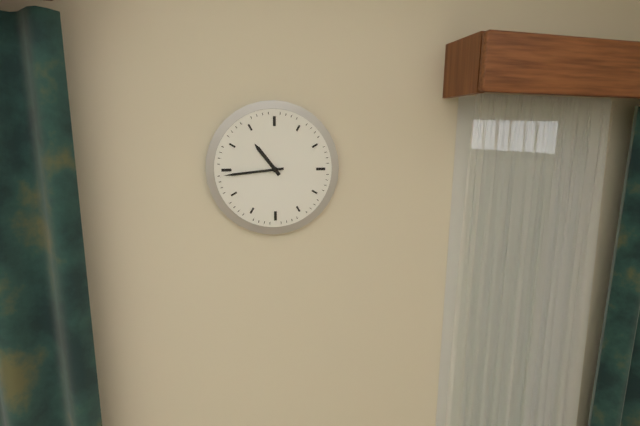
**10:44**
